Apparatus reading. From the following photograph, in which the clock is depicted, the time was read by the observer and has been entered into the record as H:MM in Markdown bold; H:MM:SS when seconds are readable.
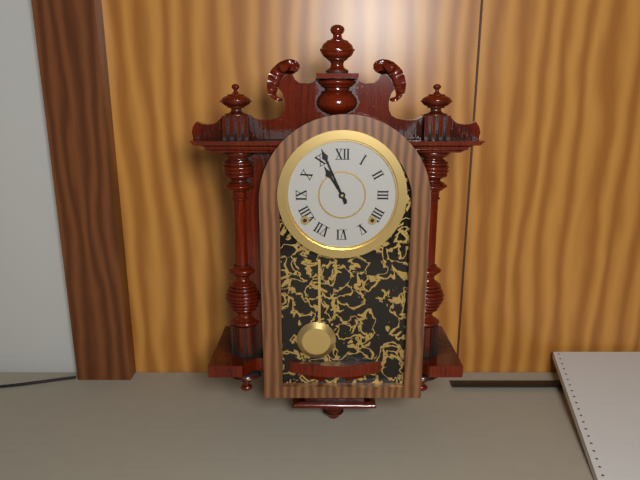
**10:56**
